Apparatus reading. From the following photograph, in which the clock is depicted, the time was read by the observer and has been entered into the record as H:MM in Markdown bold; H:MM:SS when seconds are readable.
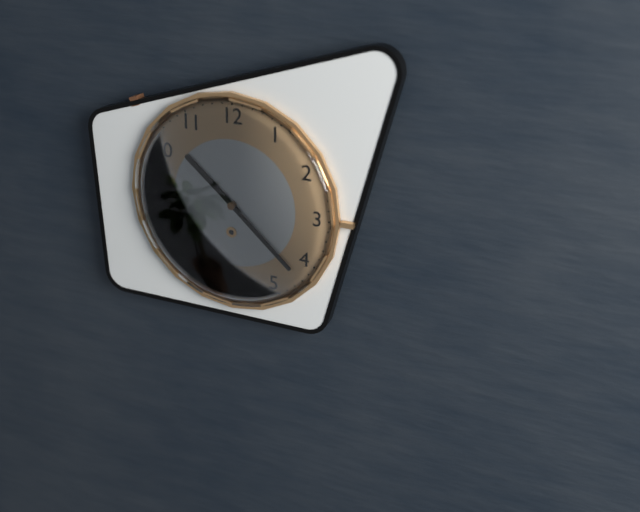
**10:22**
